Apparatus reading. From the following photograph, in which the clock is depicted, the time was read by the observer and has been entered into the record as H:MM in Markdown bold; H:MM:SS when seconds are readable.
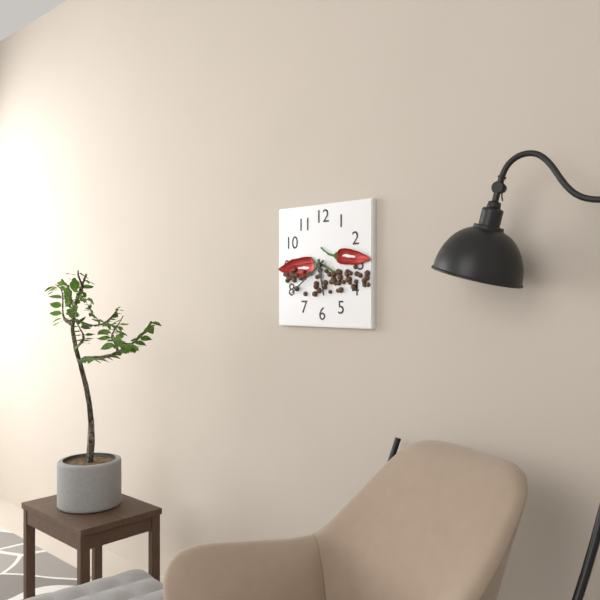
**5:39**
